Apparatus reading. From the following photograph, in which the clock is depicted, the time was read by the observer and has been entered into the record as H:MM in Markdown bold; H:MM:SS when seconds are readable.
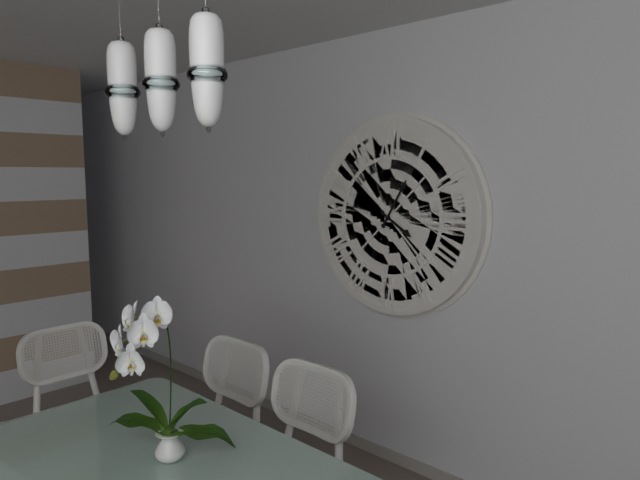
**4:05**
